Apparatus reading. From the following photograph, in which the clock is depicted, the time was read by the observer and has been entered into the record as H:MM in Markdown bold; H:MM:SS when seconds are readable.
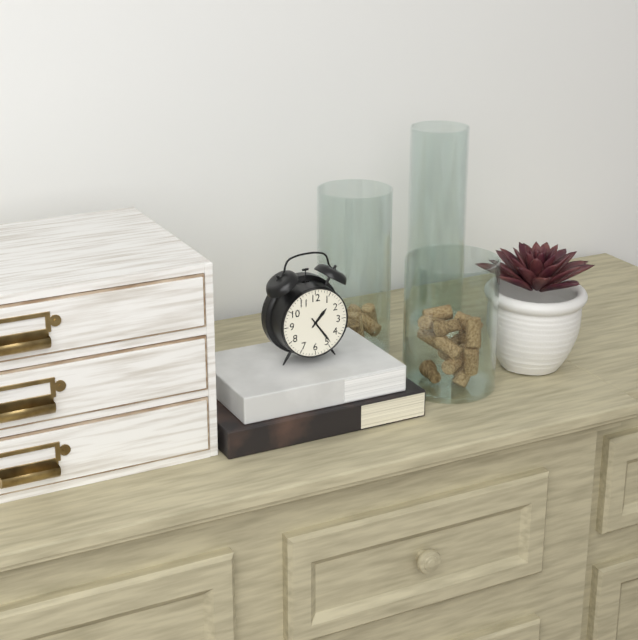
**1:24**
